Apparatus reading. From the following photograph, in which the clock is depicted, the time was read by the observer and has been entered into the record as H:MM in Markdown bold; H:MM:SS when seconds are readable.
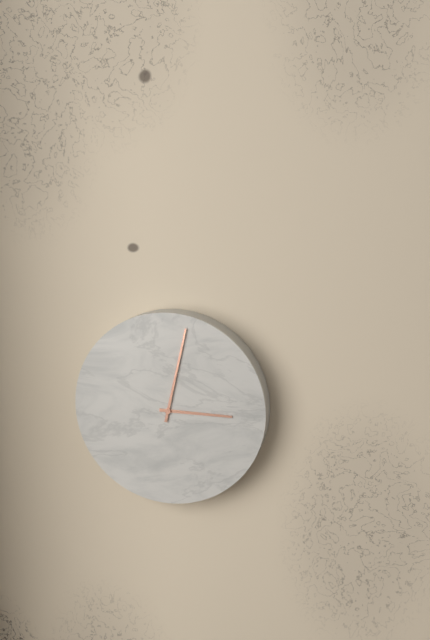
**3:02**
